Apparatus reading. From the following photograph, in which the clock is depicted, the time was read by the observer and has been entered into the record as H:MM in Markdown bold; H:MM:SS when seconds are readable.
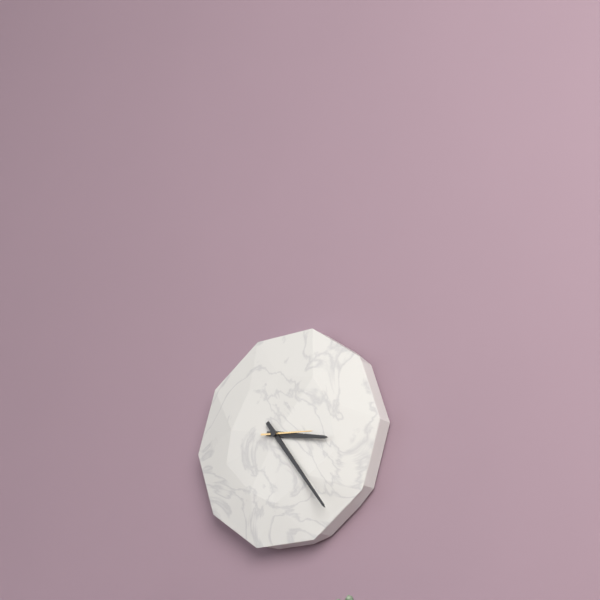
**3:24**
